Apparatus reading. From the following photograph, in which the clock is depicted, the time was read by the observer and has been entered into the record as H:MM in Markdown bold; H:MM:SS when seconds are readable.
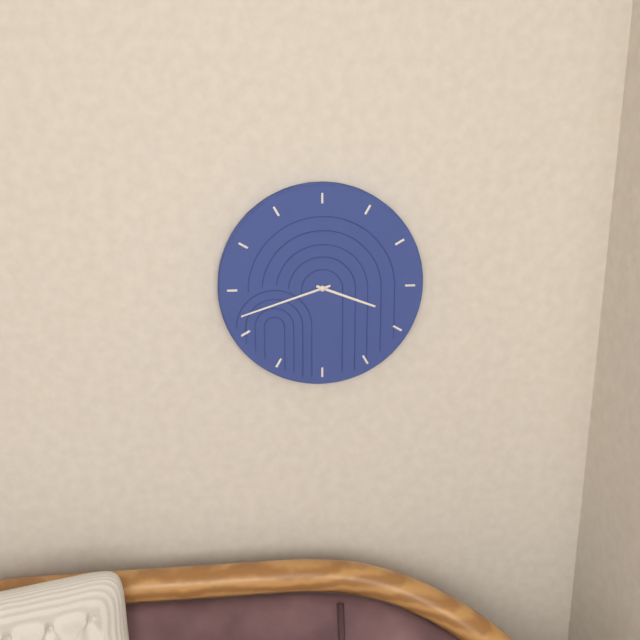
**3:42**
